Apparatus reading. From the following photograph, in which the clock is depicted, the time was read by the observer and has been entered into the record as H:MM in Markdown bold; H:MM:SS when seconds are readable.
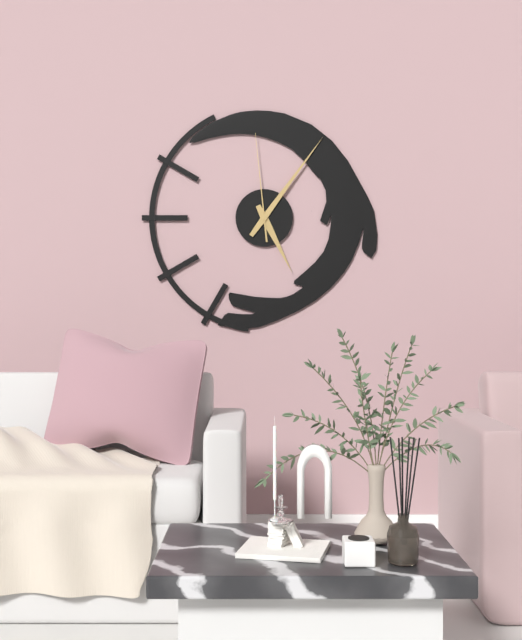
**5:06:59**
